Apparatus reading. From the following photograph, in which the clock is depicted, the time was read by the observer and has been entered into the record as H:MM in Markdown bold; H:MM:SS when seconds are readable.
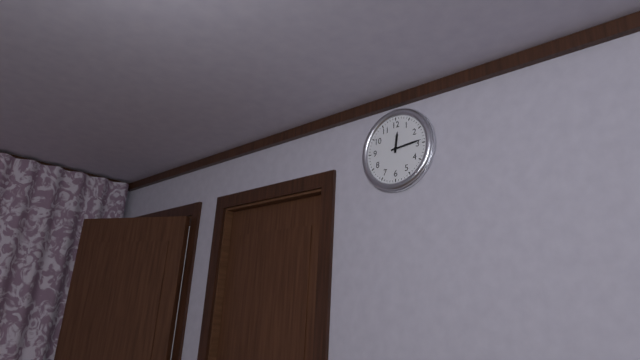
**12:14**
